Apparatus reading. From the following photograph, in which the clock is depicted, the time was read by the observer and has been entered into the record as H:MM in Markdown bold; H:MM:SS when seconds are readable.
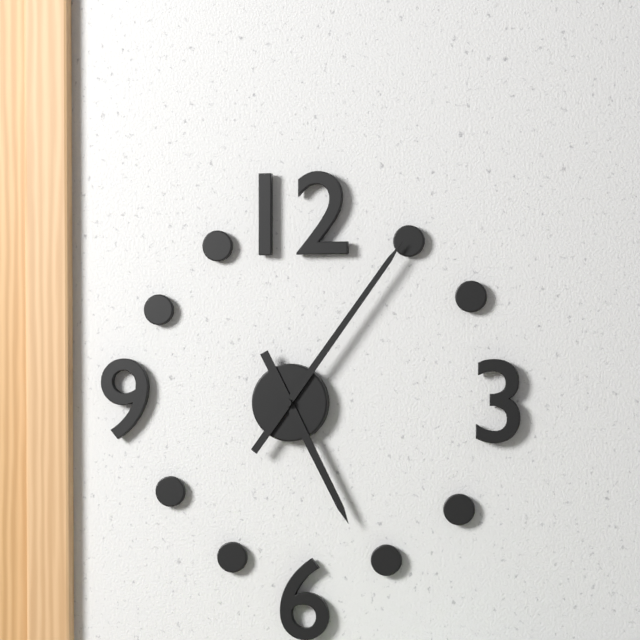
**5:06**
